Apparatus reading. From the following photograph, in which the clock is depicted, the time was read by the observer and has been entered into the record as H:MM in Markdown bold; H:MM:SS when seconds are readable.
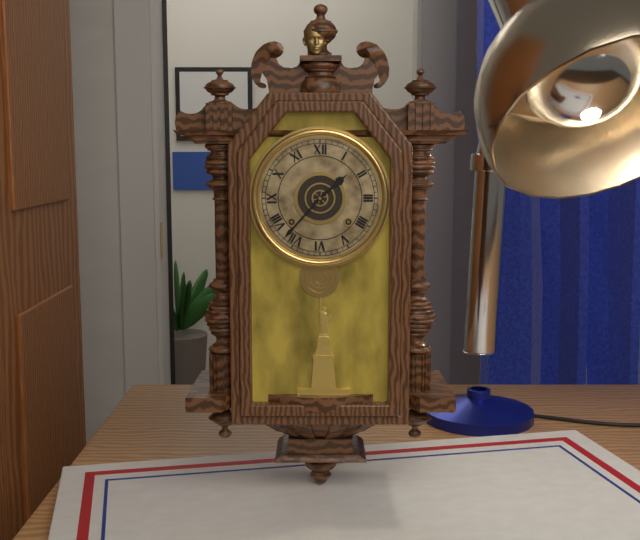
**1:37**
